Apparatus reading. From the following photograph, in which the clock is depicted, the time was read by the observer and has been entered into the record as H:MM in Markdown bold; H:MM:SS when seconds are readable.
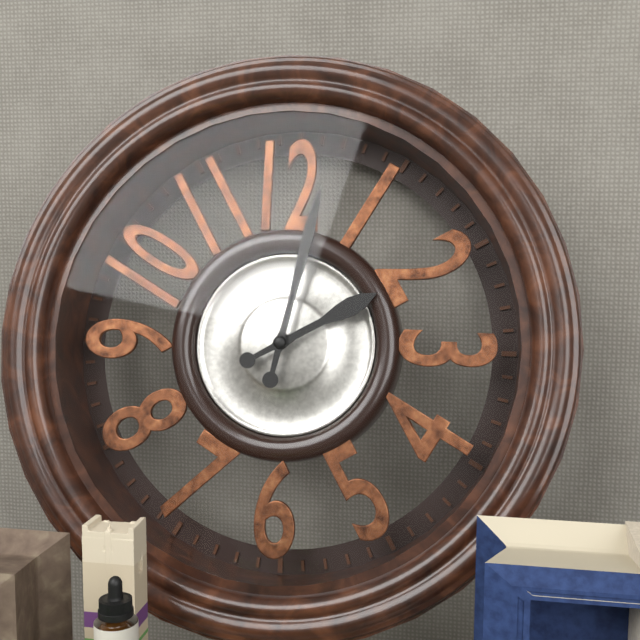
**2:02**
